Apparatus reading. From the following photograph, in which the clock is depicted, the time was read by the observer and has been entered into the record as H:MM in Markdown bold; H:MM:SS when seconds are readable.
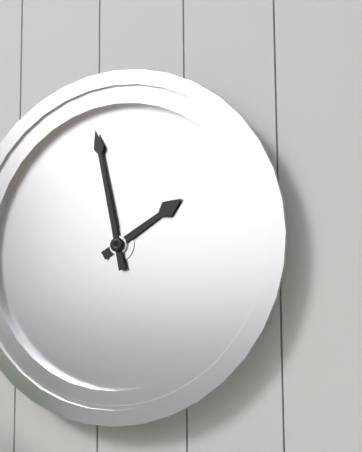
**1:58**
